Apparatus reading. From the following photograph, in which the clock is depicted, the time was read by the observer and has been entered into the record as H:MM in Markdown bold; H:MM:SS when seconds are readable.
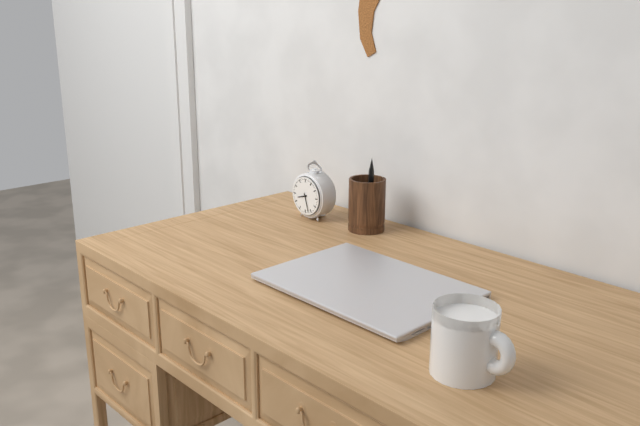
**8:27**
